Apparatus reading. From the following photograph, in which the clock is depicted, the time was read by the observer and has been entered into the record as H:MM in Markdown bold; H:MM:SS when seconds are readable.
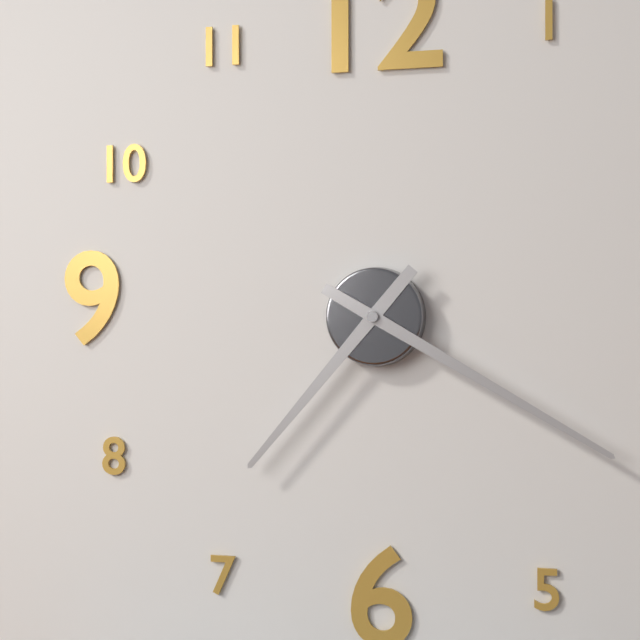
**7:20**
